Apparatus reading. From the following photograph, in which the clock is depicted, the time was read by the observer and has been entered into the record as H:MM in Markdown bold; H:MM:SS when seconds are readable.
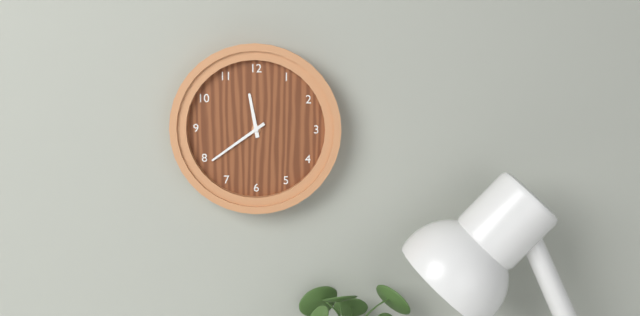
**11:39**
